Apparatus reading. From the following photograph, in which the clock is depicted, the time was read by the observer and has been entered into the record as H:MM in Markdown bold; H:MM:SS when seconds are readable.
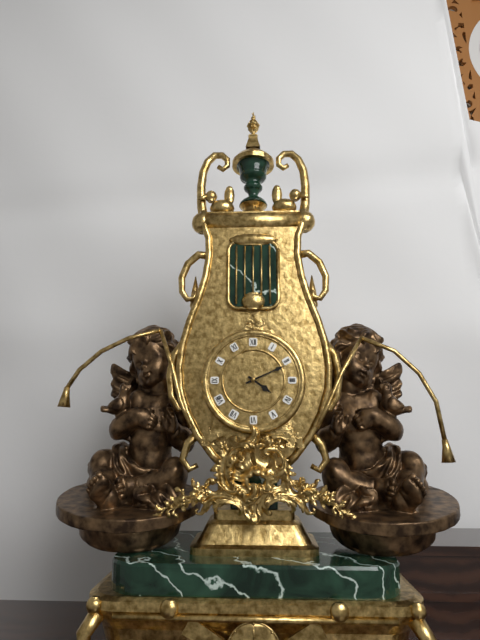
**4:11**
